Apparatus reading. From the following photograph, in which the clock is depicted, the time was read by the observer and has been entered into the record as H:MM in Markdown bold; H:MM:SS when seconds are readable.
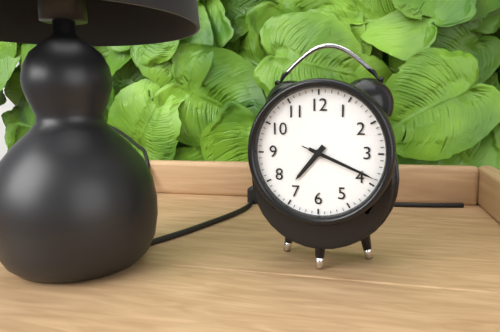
**7:19:19**
